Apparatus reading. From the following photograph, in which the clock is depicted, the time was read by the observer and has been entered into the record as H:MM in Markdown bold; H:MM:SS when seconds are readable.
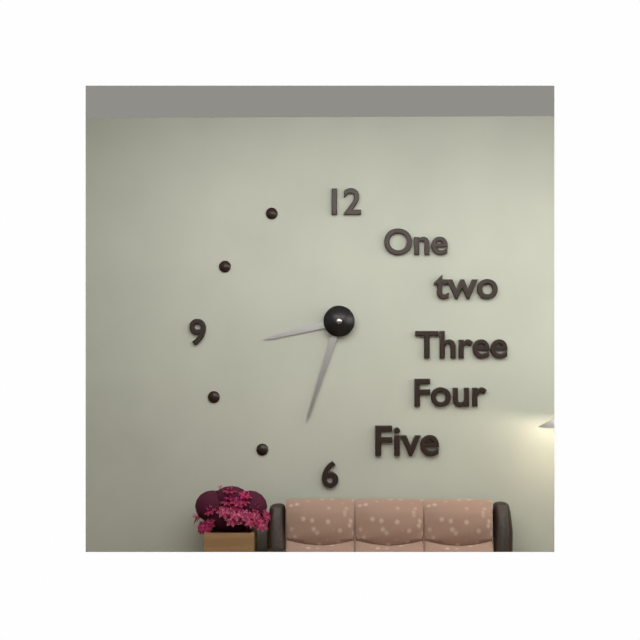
**8:33**
